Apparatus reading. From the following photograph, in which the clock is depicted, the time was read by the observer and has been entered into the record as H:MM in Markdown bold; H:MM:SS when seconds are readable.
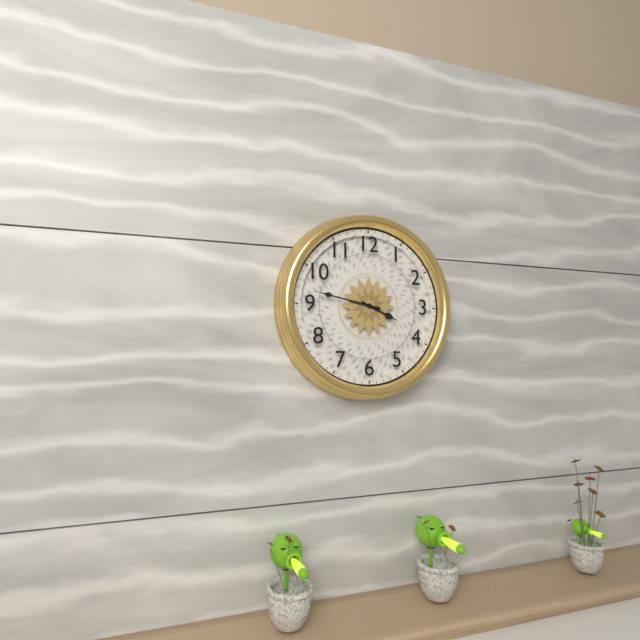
**3:47**
